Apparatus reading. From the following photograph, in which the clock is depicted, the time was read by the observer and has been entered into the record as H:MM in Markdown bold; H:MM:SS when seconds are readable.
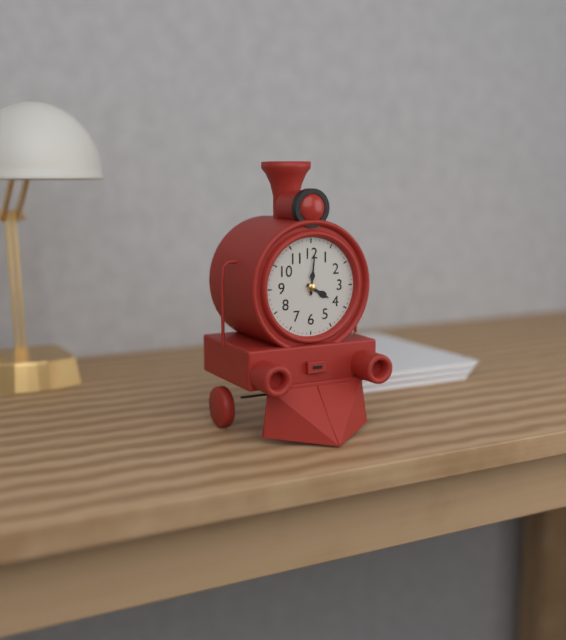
**4:01**
